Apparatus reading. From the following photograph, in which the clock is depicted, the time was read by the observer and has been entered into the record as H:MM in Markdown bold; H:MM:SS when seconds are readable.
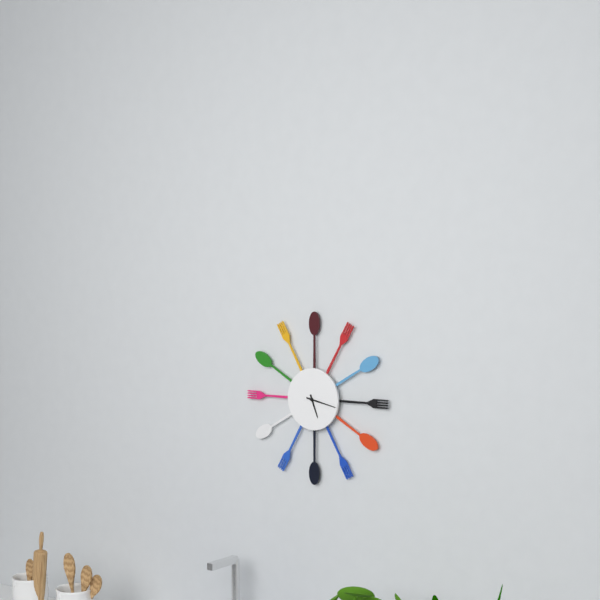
**5:17**
